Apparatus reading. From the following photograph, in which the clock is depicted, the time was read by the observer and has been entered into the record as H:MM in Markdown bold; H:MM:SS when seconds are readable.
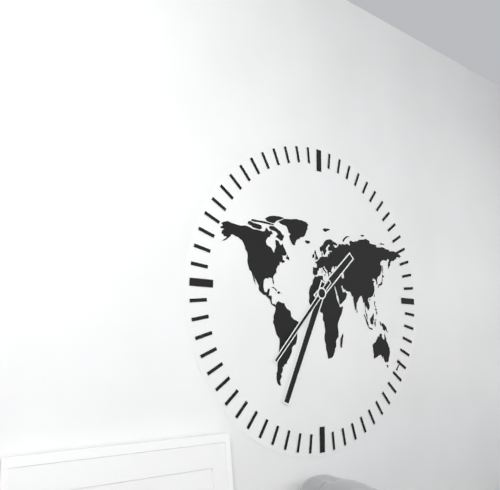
**1:34:37**
